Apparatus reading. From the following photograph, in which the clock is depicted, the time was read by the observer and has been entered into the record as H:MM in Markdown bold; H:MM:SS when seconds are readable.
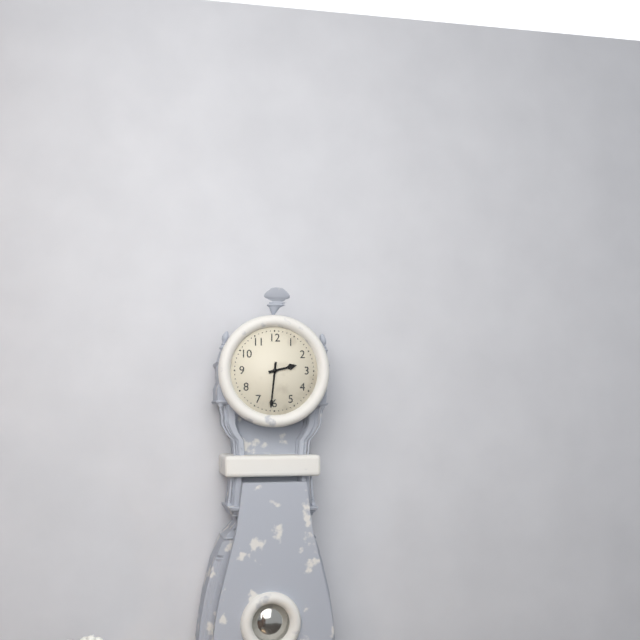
**2:31**
